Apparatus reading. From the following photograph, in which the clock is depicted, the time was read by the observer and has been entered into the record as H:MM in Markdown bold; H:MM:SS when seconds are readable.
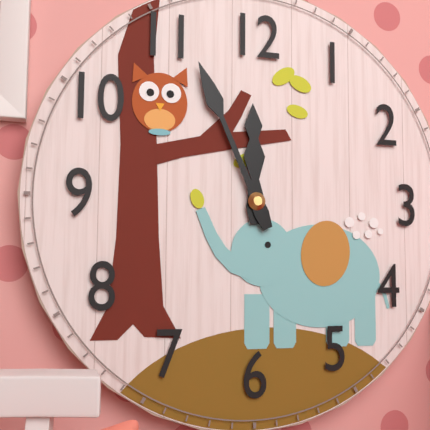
**11:56**
